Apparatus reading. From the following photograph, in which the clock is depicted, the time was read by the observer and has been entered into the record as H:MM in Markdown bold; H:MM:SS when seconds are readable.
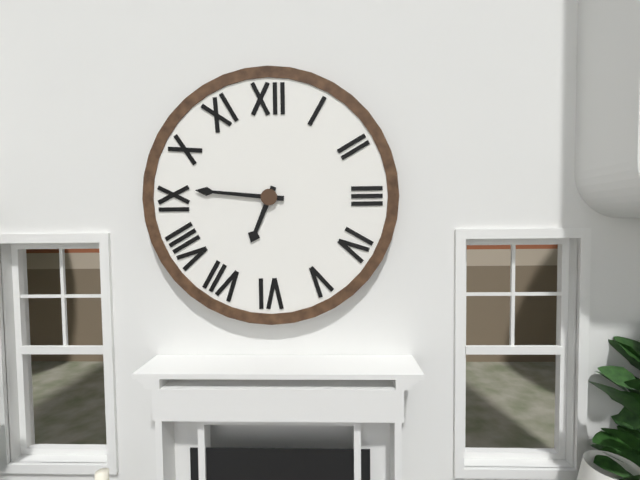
**6:46**
